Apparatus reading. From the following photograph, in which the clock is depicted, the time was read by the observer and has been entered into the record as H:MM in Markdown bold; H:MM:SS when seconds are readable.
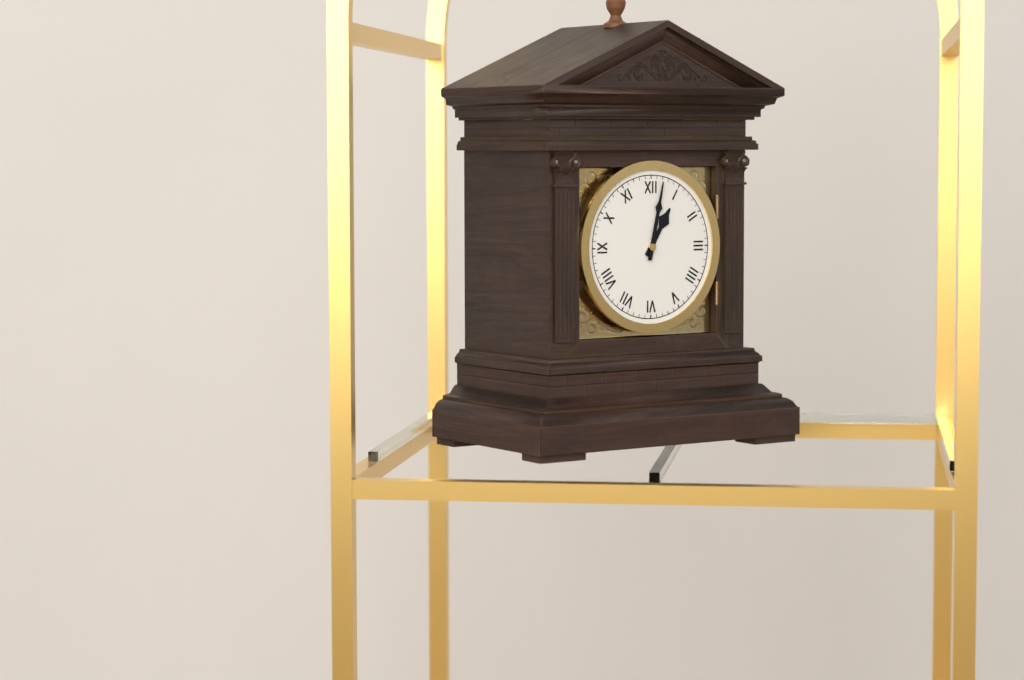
**1:02**
